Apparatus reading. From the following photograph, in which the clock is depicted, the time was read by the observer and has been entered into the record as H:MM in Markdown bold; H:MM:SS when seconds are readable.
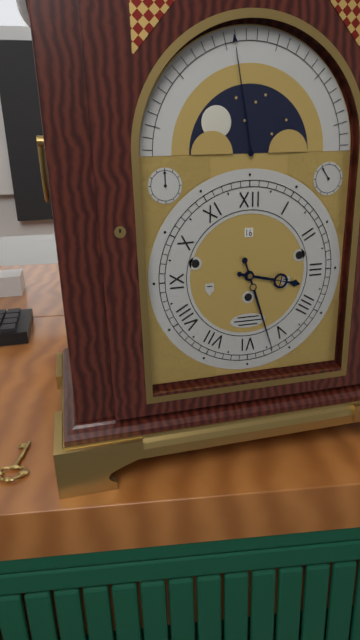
**3:27**
